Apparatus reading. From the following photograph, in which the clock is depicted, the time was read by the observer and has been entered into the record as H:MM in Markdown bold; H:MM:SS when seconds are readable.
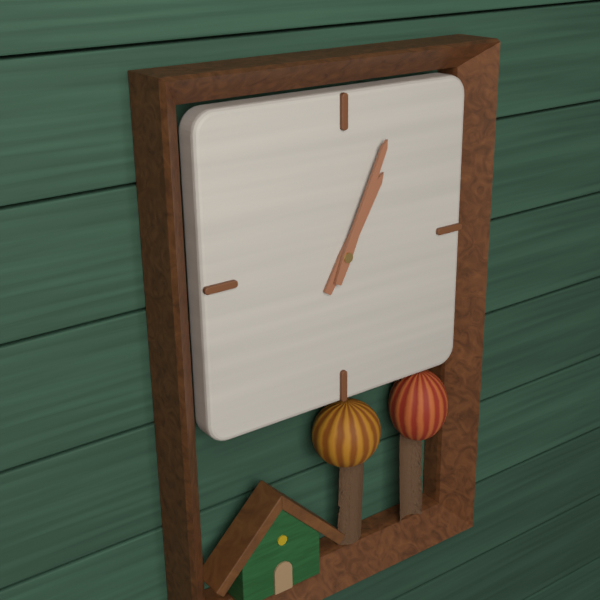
**1:04**
